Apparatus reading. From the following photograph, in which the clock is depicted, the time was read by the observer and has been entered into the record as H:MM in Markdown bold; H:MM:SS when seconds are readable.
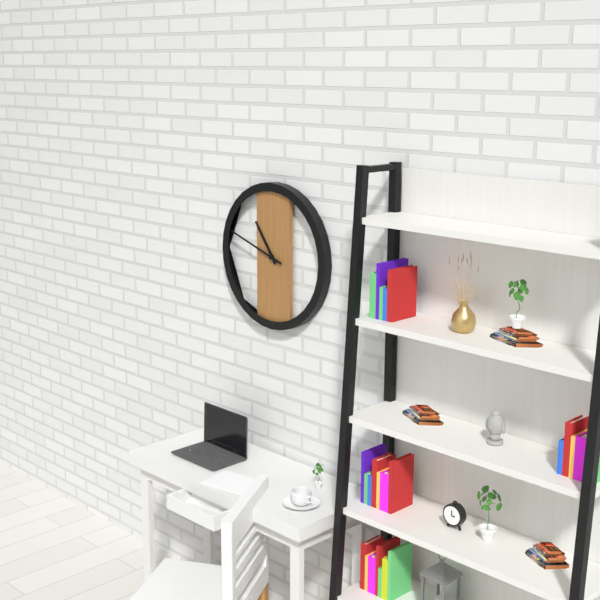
**10:48**
